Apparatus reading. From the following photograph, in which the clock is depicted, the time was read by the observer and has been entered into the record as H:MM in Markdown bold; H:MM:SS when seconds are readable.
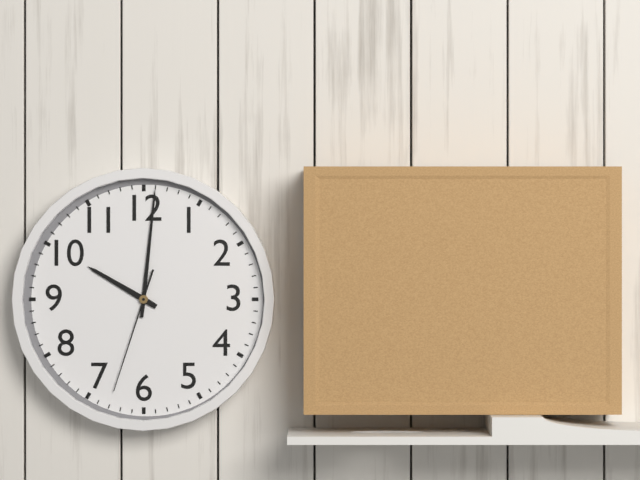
**10:01:33**
